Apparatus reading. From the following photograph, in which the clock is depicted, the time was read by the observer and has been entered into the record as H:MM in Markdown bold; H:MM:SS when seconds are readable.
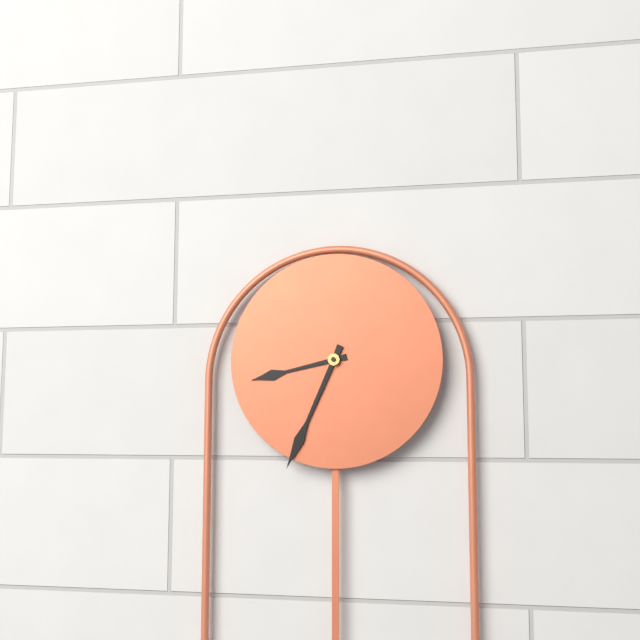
**8:34**
